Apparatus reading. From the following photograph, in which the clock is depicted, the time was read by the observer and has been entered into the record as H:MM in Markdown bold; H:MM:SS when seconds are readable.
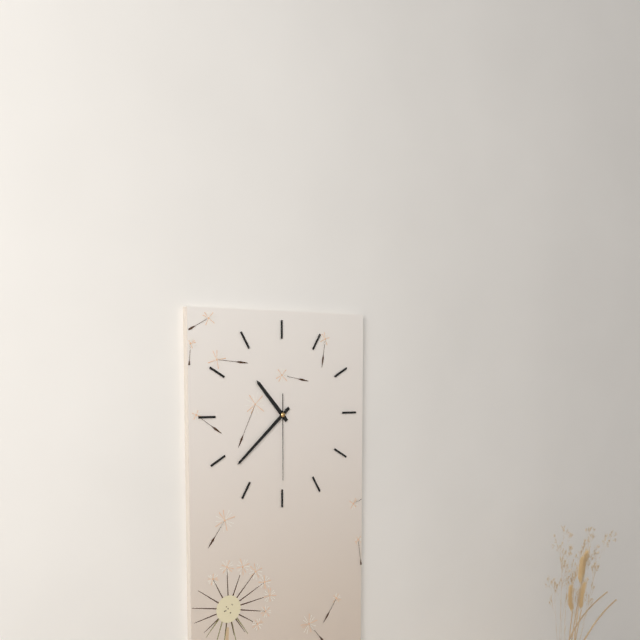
**10:38:30**
